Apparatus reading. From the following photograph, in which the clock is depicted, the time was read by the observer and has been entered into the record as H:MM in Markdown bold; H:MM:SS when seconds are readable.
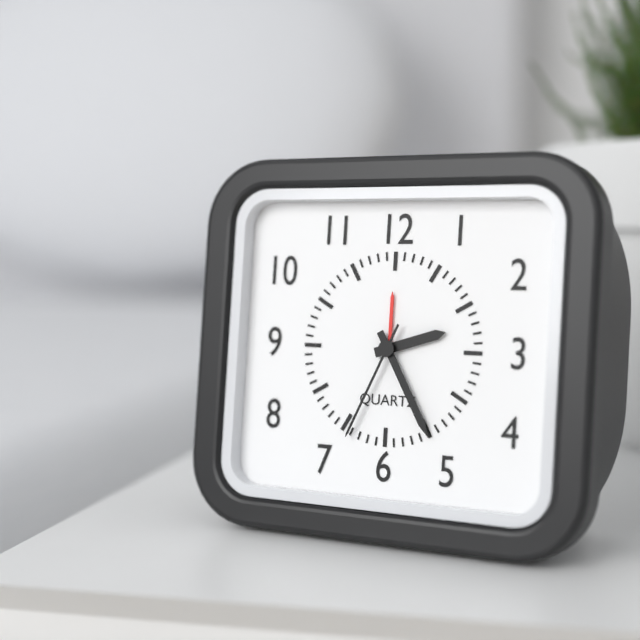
**2:25:34**
